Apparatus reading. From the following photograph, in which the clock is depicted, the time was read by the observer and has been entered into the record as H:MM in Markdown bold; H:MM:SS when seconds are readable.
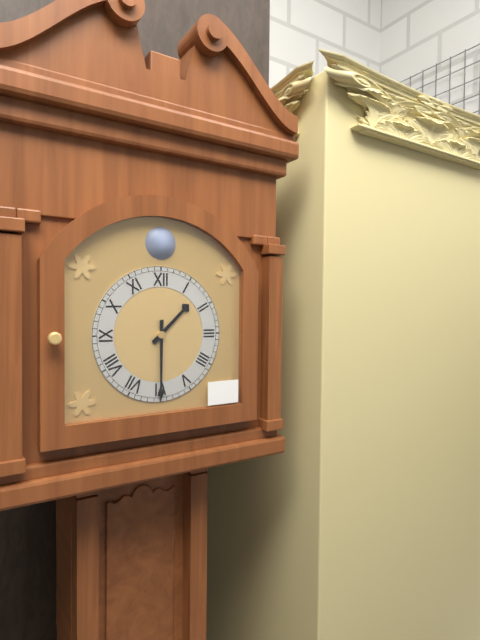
**1:30**
